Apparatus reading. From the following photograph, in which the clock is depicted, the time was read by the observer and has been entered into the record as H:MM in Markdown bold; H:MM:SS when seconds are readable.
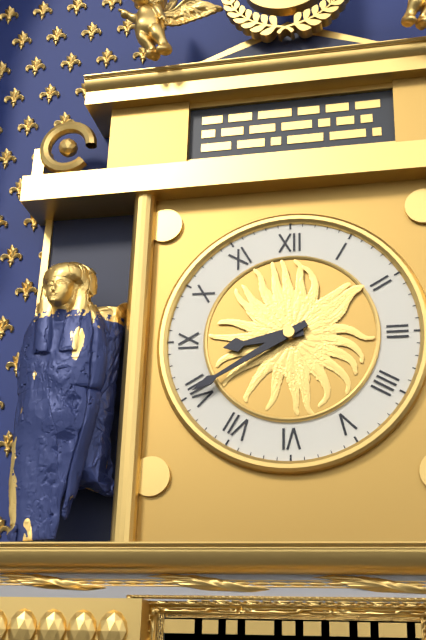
**8:40**
